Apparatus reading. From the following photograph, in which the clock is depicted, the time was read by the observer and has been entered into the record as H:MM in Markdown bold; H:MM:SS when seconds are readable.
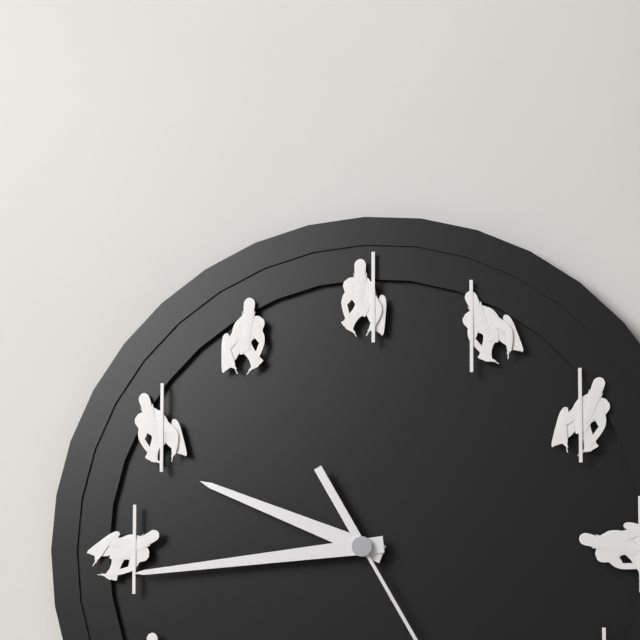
**9:44**
